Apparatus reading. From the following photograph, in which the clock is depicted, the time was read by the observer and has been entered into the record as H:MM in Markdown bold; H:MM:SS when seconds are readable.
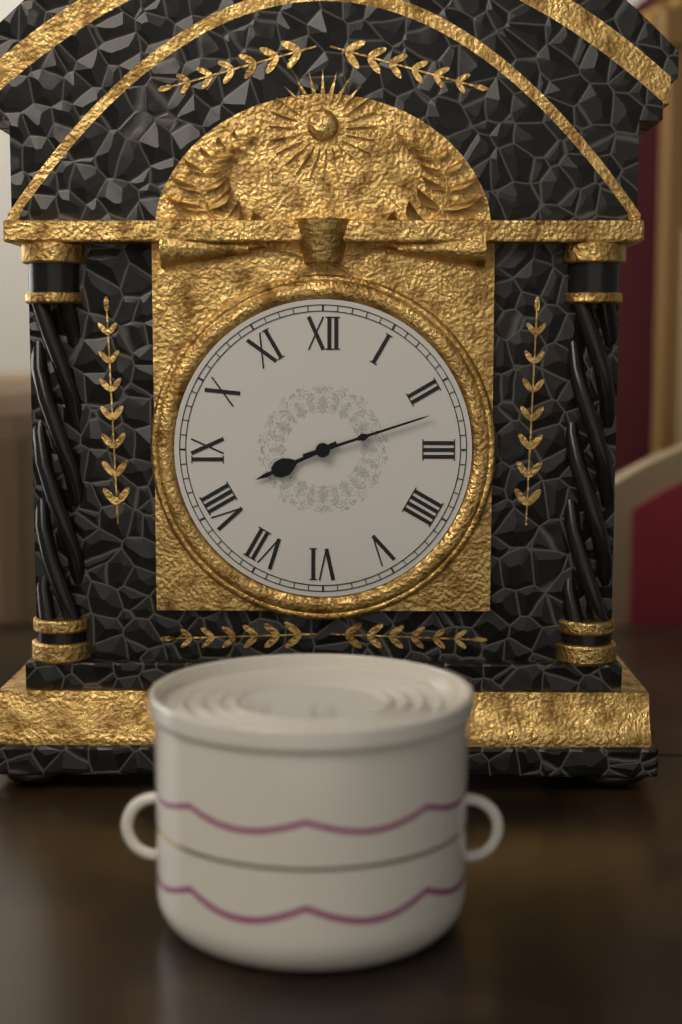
**8:12**
